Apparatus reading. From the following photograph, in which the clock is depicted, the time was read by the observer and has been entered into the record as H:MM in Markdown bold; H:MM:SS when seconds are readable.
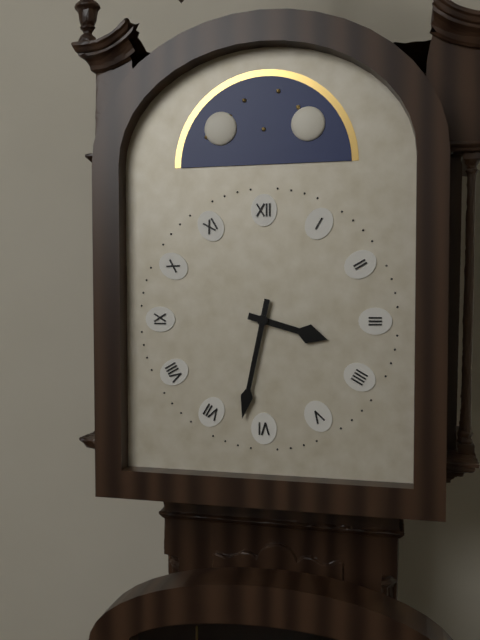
**3:32**
